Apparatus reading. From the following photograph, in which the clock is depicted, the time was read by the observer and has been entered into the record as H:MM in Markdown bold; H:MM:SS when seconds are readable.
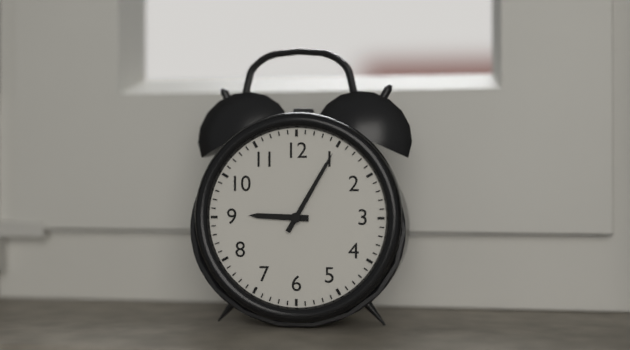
**9:05**
